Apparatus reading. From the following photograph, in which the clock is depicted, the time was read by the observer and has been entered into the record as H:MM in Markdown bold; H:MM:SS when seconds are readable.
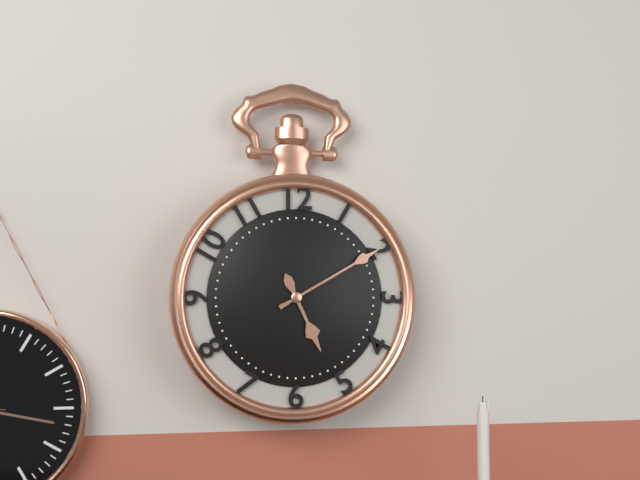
**5:10**
